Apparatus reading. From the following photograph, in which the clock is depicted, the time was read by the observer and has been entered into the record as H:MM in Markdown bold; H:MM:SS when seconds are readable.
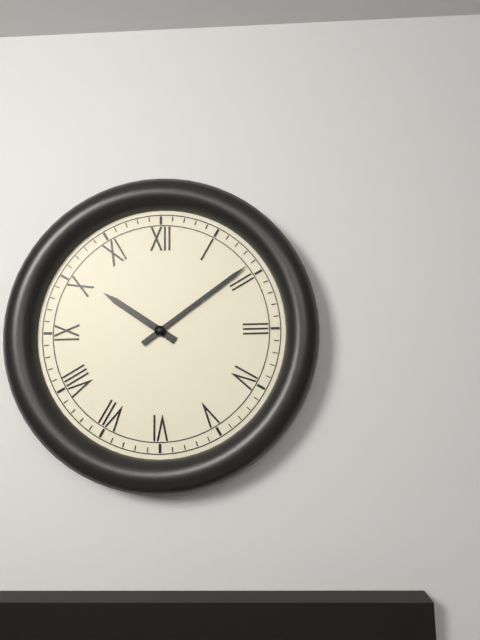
**10:09**
